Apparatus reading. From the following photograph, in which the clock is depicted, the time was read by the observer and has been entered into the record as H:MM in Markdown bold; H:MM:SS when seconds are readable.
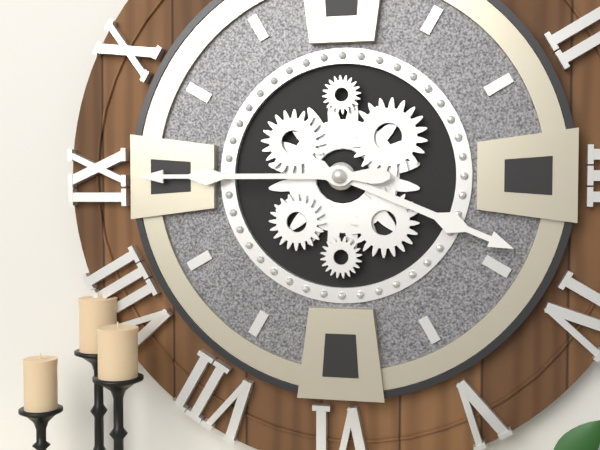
**3:45**
